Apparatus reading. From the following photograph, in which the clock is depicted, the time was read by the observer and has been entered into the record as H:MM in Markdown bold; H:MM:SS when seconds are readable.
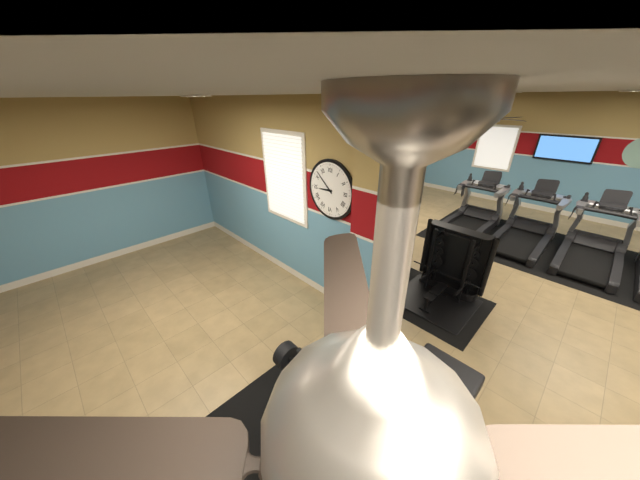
**8:52**
